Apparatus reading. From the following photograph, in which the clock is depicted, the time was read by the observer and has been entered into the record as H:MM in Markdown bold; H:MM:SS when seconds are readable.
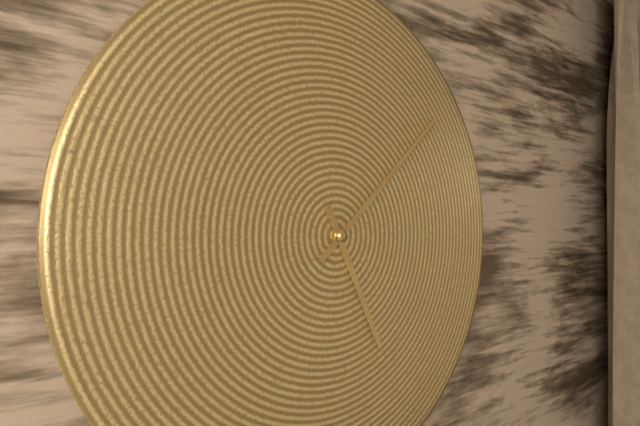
**5:08**
